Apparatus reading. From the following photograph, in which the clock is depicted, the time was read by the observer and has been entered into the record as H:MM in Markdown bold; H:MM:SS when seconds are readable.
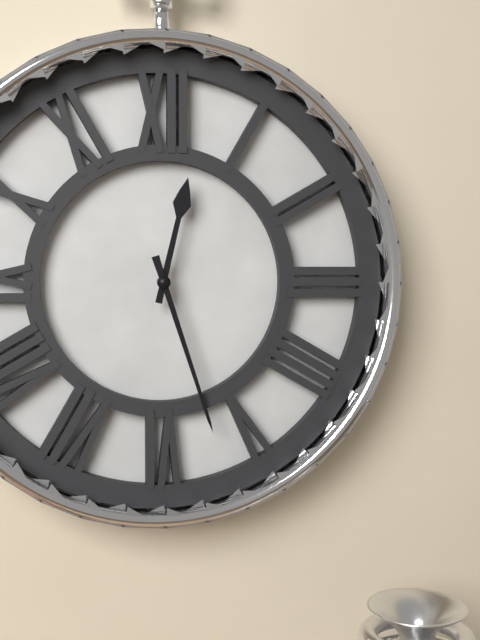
**12:27**
